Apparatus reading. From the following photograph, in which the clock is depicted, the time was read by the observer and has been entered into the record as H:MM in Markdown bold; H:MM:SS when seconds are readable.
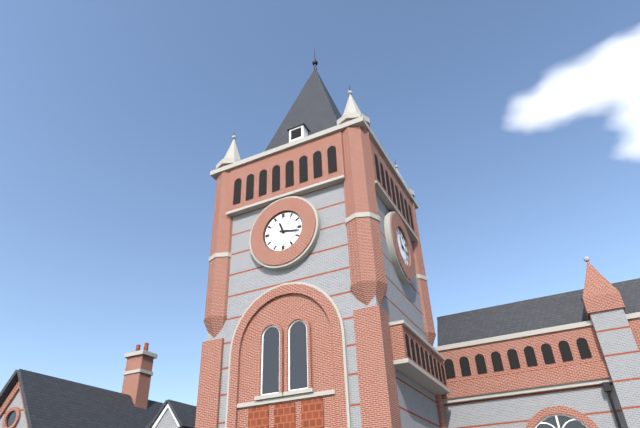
**11:17**
